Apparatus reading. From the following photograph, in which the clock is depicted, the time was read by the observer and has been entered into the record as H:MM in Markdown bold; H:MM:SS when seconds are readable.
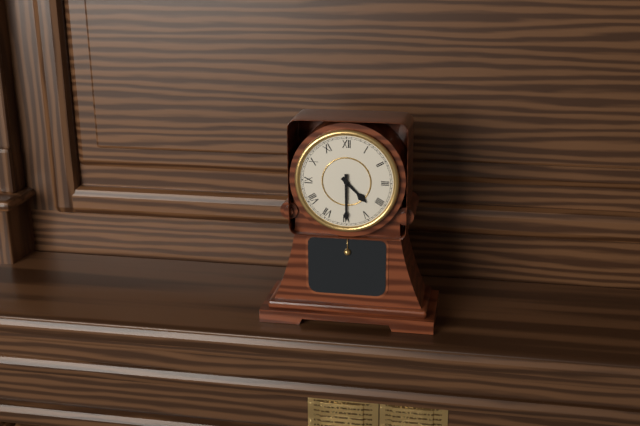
**4:30**
